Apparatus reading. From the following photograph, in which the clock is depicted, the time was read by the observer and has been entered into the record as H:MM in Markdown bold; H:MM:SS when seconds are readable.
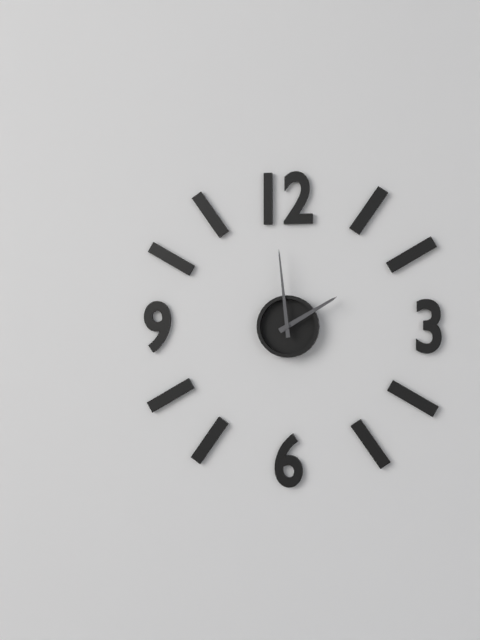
**1:59**
